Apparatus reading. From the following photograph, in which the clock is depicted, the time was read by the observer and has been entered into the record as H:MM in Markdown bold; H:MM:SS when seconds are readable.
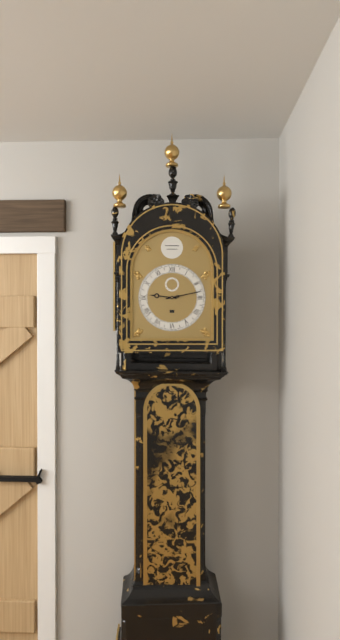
**9:13**
